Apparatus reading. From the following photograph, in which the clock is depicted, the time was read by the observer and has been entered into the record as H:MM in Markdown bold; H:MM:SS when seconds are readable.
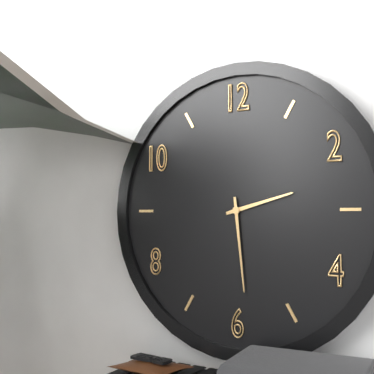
**2:29**
